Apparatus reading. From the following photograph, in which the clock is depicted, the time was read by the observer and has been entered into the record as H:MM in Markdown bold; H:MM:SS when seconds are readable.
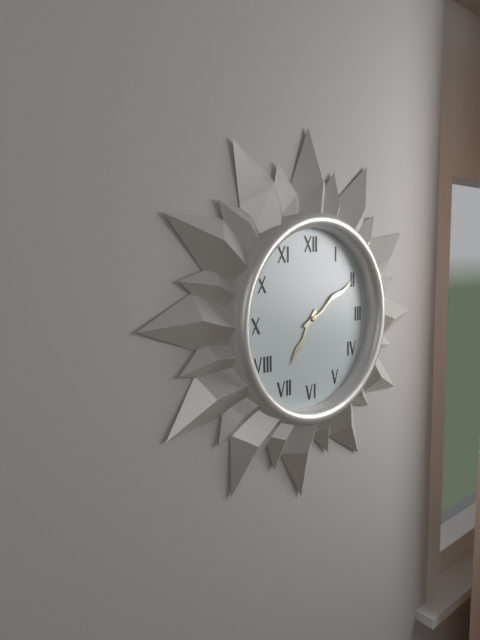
**7:10**
